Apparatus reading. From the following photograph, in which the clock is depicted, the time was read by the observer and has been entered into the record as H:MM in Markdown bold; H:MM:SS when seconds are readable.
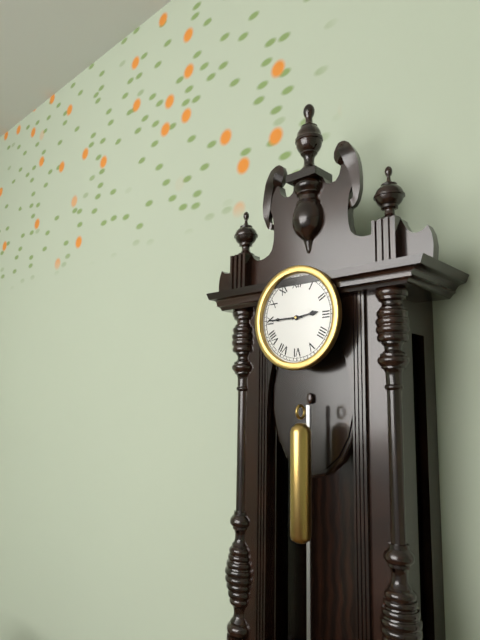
**2:45**
